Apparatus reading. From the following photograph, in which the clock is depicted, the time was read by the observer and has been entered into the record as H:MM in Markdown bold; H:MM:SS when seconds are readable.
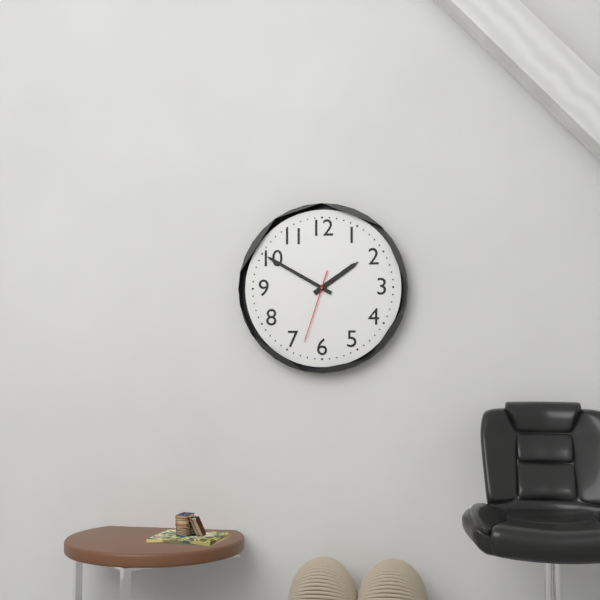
**1:50:33**
